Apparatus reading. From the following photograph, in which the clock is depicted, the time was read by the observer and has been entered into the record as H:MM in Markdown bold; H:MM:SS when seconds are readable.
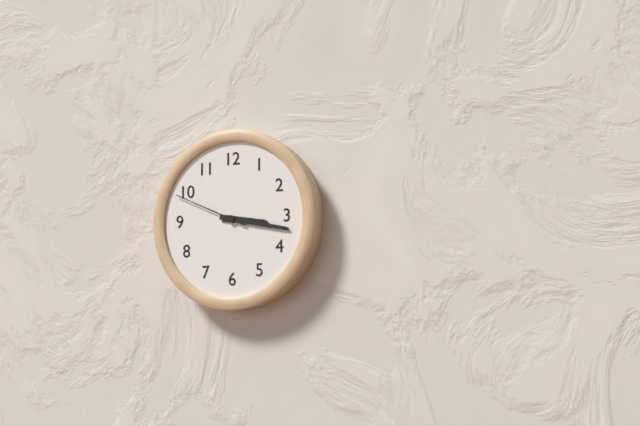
**3:17:49**
